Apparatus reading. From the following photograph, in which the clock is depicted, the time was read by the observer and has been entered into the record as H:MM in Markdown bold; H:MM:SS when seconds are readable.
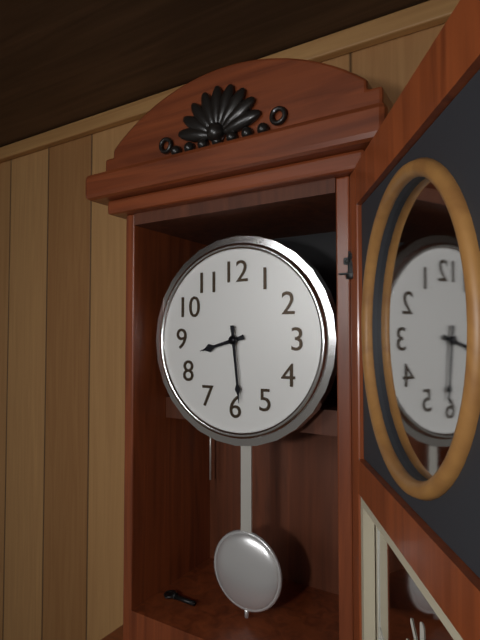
**8:29**
